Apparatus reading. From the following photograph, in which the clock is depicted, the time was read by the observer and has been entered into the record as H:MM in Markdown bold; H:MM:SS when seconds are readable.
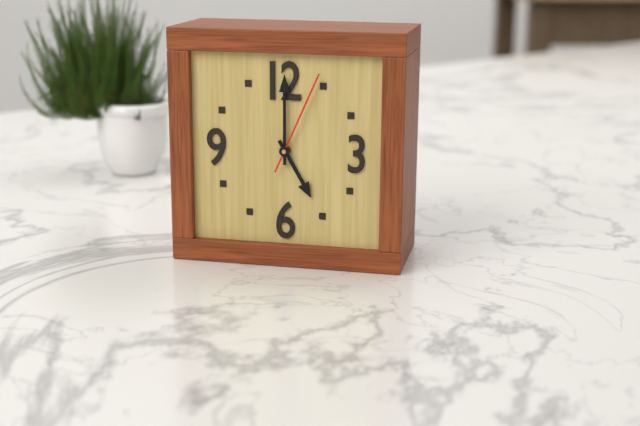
**5:00:04**
